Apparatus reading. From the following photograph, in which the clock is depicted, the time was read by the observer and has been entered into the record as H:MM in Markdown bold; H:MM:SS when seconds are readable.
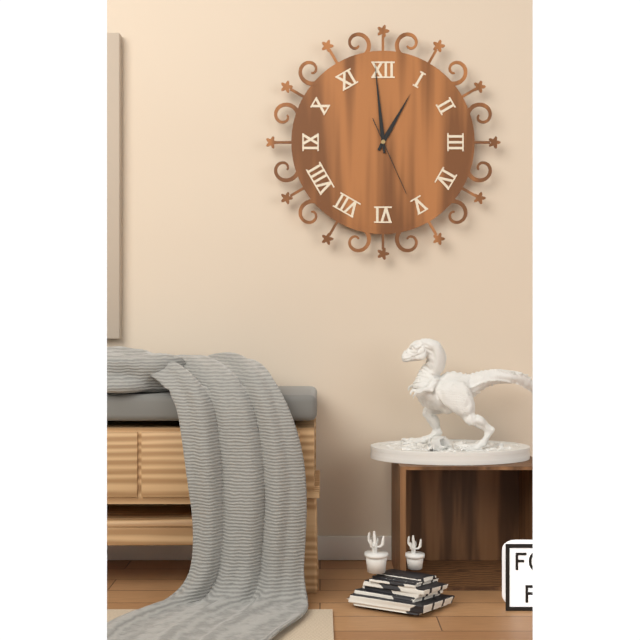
**12:59:26**
